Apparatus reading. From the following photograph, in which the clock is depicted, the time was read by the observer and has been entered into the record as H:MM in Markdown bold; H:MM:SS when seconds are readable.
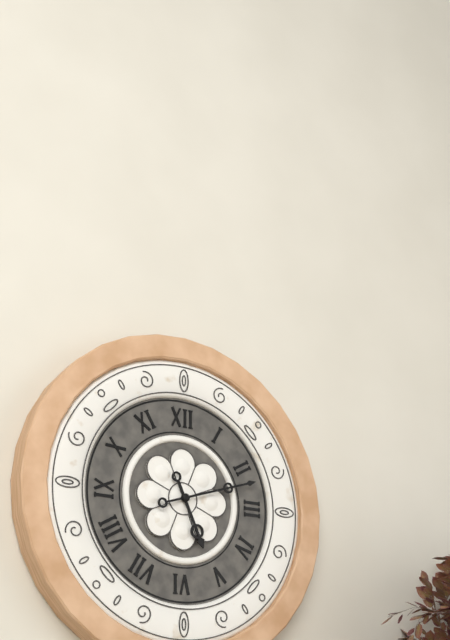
**5:12**
